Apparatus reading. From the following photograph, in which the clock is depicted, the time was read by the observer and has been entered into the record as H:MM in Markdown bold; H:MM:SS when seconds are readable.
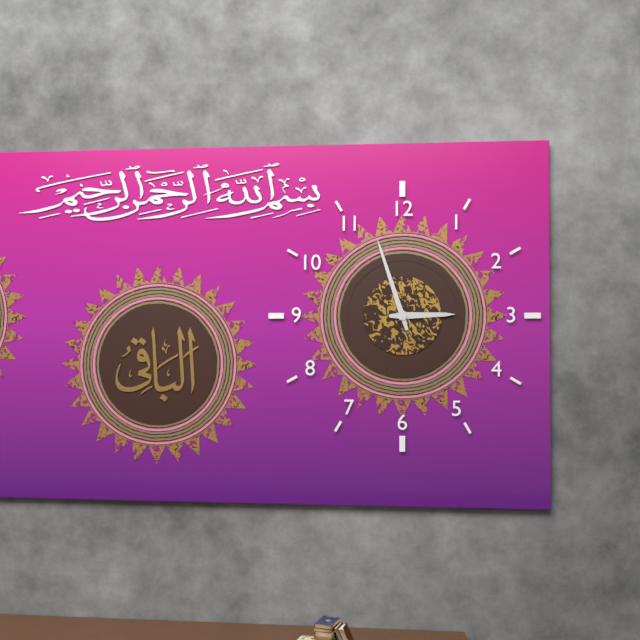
**2:57**
